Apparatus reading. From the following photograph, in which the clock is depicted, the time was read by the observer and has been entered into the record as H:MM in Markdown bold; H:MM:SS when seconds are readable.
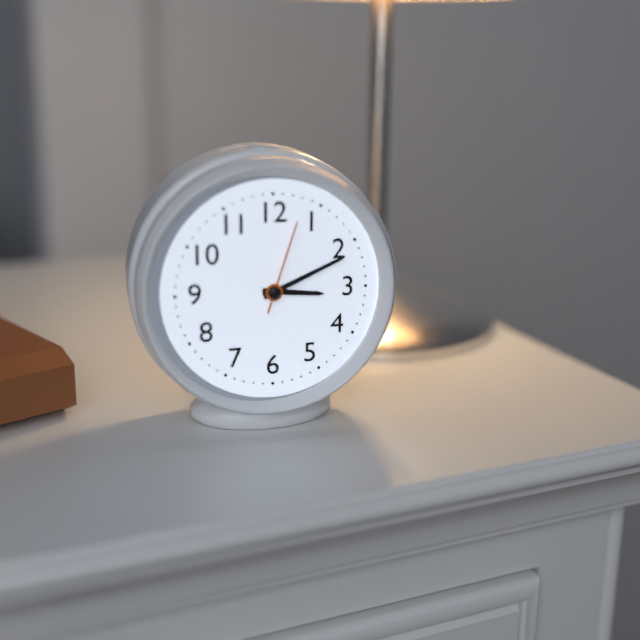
**3:11:03**
